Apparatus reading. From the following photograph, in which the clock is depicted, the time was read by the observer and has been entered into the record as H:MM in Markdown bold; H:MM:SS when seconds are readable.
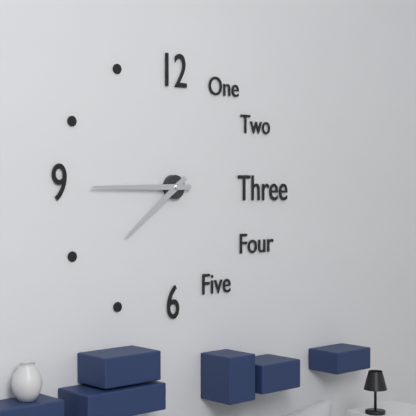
**7:45**
